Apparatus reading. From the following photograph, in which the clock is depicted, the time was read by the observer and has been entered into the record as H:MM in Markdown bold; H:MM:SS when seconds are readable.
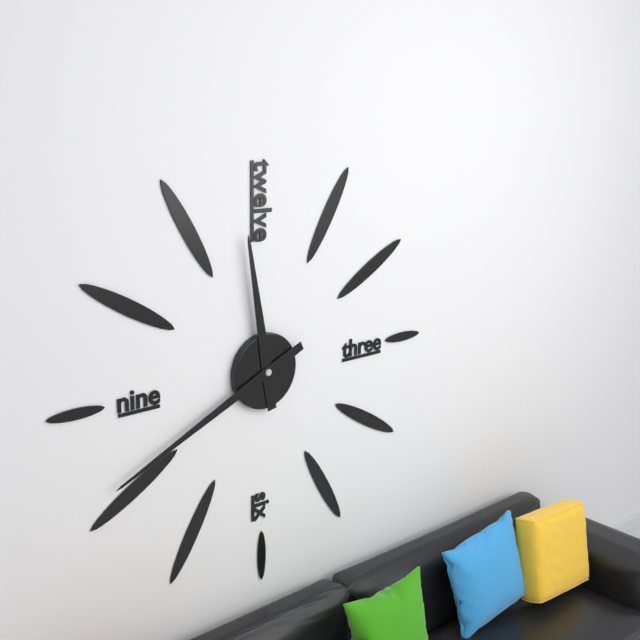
**11:41**
